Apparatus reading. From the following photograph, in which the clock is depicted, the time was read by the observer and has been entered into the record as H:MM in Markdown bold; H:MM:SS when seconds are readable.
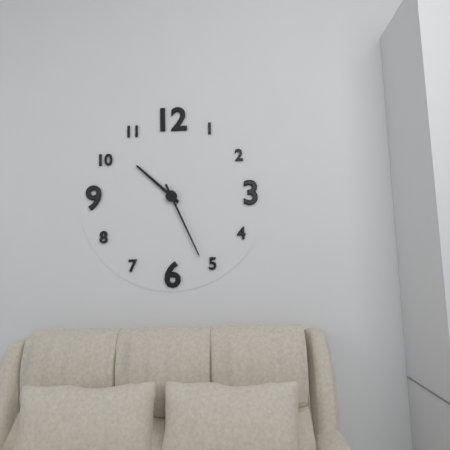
**10:26**
